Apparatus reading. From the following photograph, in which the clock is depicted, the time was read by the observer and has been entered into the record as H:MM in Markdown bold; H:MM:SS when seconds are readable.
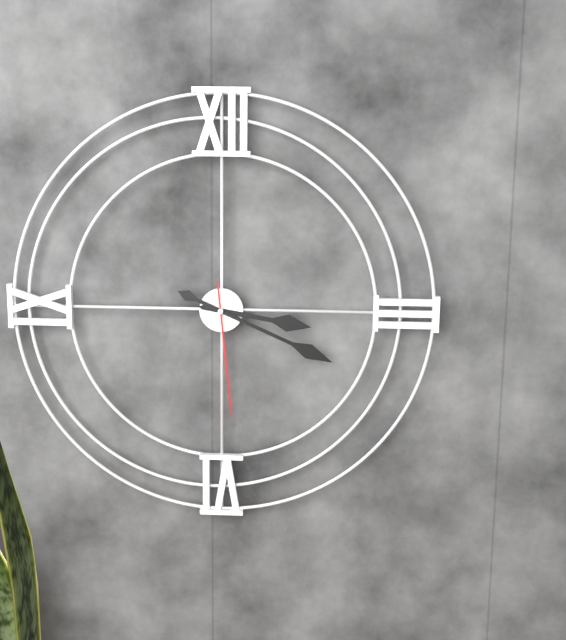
**3:19:29**
